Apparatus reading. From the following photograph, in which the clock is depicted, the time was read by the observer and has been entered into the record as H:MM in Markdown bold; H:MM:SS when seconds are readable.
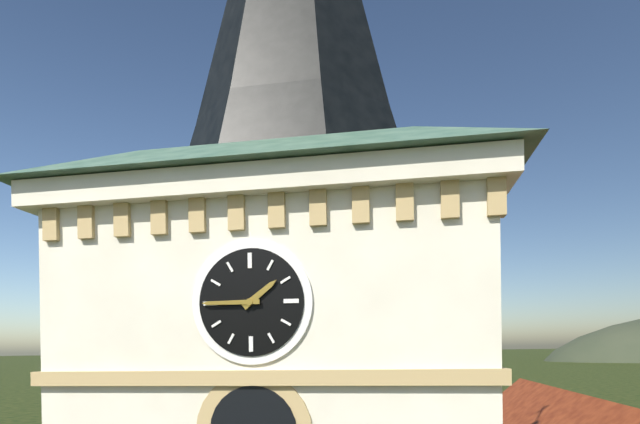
**1:45**
